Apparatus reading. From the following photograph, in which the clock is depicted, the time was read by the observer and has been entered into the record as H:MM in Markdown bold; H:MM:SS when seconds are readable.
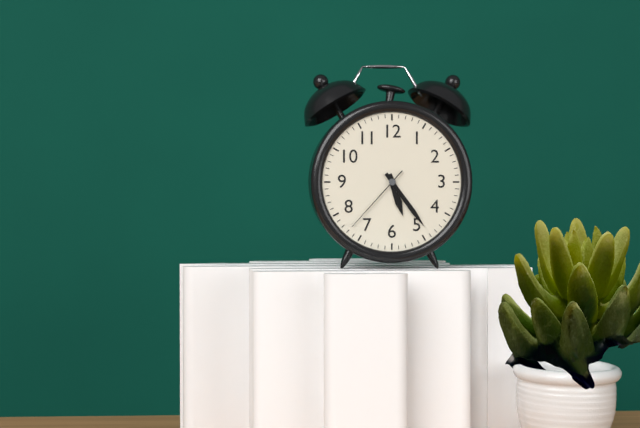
**5:24:37**
